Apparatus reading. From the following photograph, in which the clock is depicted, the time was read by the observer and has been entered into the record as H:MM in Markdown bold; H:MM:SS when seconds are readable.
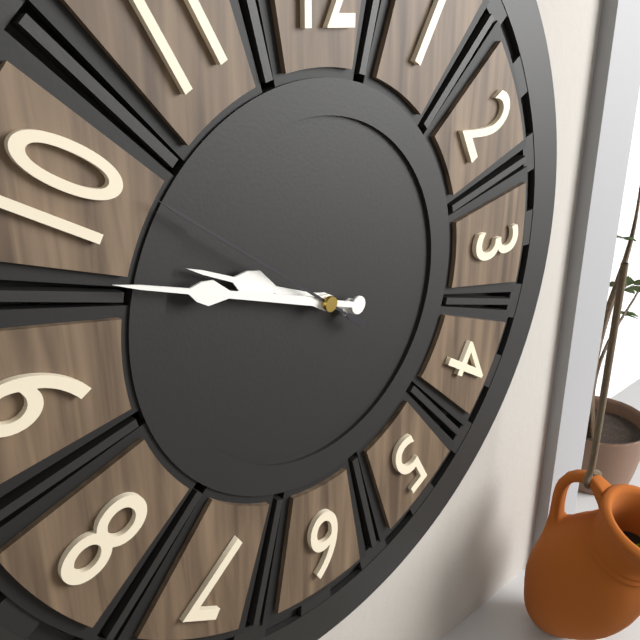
**9:48:51**
